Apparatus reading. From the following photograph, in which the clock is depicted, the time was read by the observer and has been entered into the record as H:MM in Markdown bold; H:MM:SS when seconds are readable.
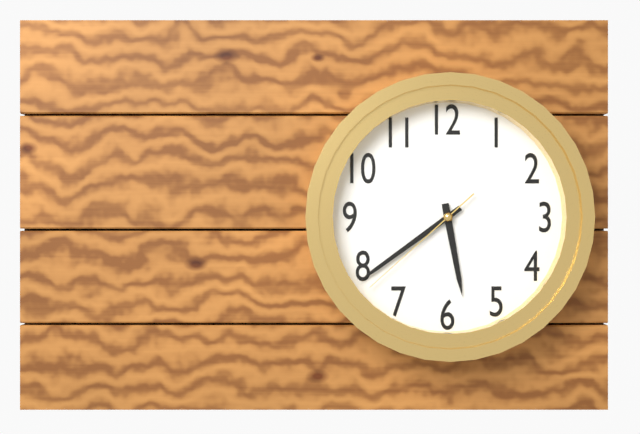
**5:39:38**
